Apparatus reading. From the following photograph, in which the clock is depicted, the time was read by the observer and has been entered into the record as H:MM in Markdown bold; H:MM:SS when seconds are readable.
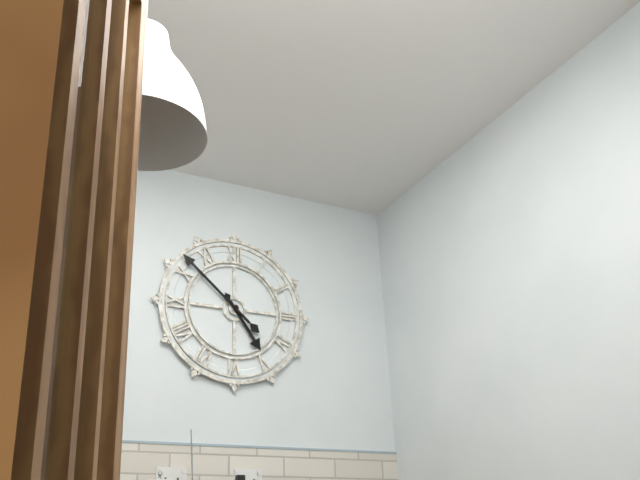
**4:52**
